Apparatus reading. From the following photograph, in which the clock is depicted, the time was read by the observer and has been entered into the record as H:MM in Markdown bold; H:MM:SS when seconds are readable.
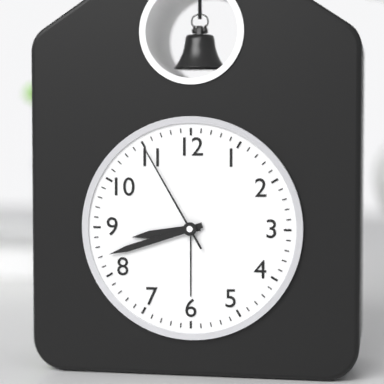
**8:42:55**
